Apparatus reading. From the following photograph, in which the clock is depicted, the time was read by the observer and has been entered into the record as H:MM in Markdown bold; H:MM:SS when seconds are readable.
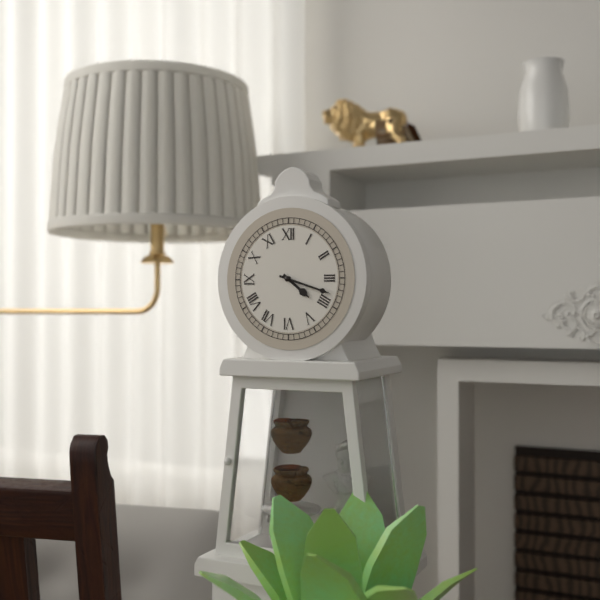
**4:18**
